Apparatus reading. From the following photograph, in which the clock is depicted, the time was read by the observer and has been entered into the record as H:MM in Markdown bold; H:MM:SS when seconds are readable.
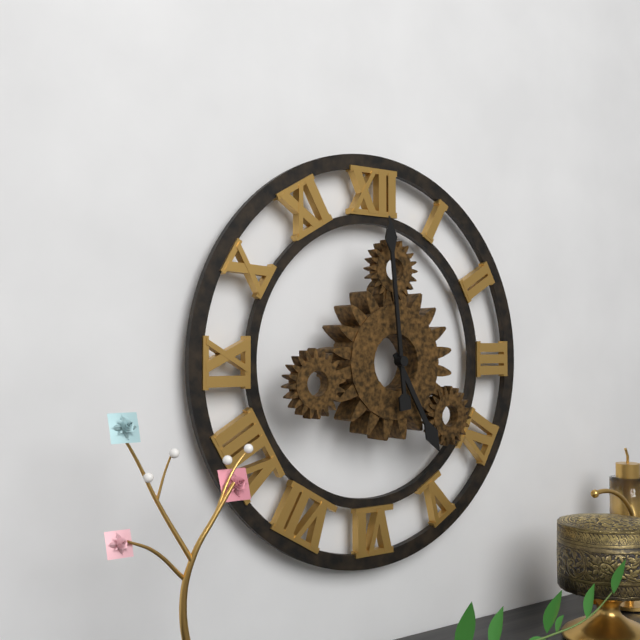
**4:59**
